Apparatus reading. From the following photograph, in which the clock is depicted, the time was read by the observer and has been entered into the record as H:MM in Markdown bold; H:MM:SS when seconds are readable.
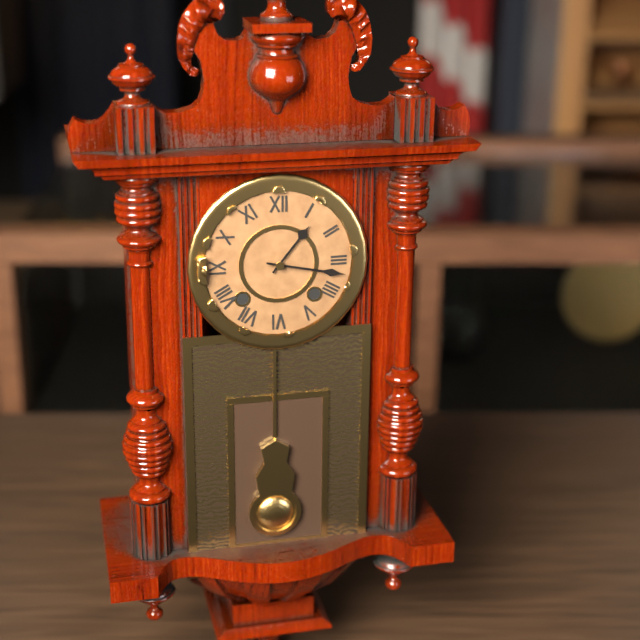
**1:17**
